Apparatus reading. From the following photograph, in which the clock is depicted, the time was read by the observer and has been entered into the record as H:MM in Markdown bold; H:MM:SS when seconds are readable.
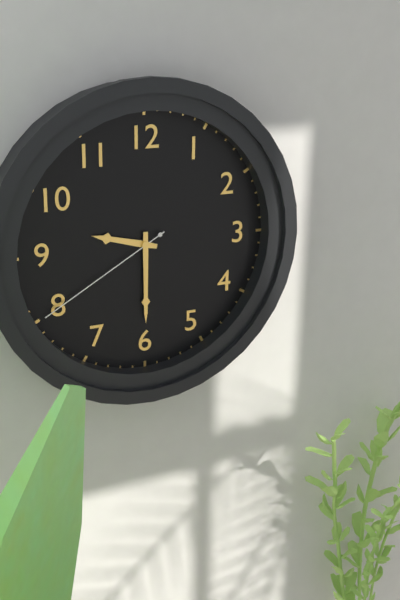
**9:30:40**
